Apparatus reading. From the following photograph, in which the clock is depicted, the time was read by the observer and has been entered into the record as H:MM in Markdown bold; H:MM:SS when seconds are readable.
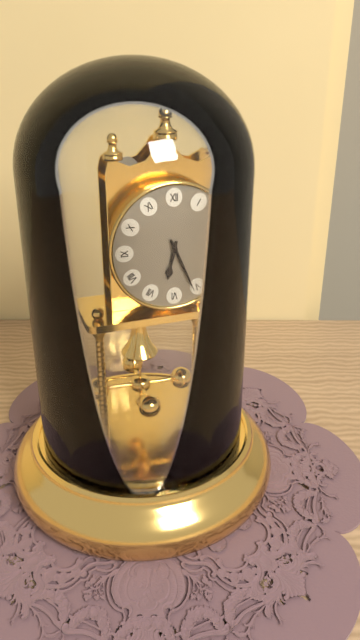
**6:26**
